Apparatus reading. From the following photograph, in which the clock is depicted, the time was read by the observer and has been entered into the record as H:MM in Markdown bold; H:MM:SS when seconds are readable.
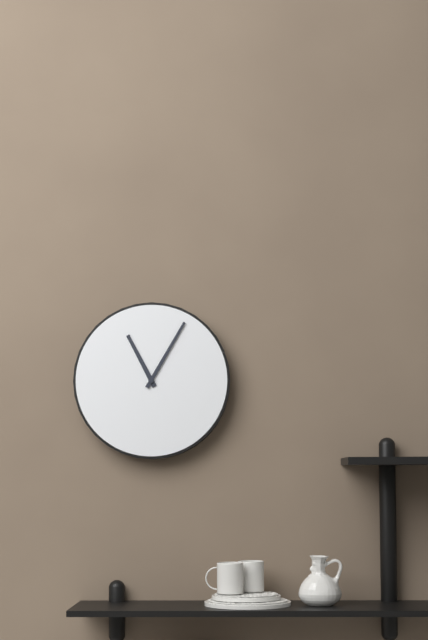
**11:05**
